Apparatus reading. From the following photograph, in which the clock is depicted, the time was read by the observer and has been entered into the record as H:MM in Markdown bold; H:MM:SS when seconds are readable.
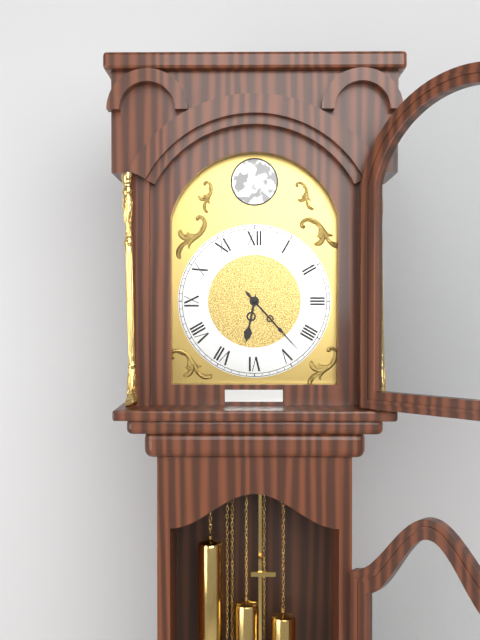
**6:23**
